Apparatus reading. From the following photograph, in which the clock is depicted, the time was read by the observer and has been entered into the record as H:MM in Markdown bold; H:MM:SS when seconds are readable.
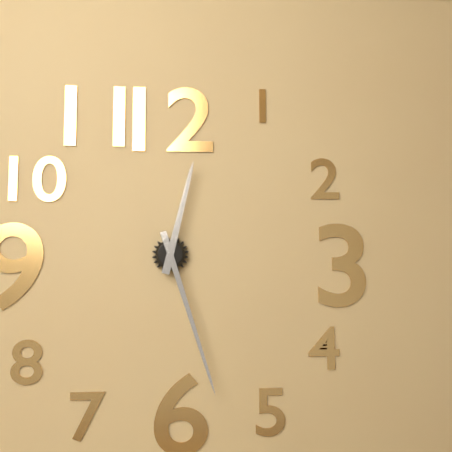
**12:27**
